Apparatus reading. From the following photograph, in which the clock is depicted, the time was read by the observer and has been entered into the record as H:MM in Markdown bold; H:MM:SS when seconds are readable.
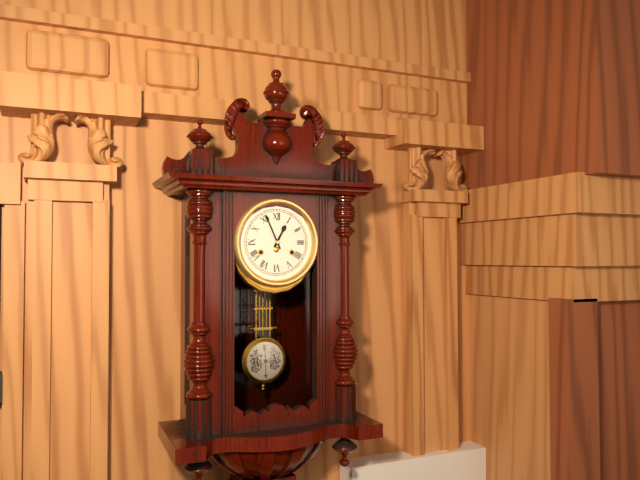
**12:56**
